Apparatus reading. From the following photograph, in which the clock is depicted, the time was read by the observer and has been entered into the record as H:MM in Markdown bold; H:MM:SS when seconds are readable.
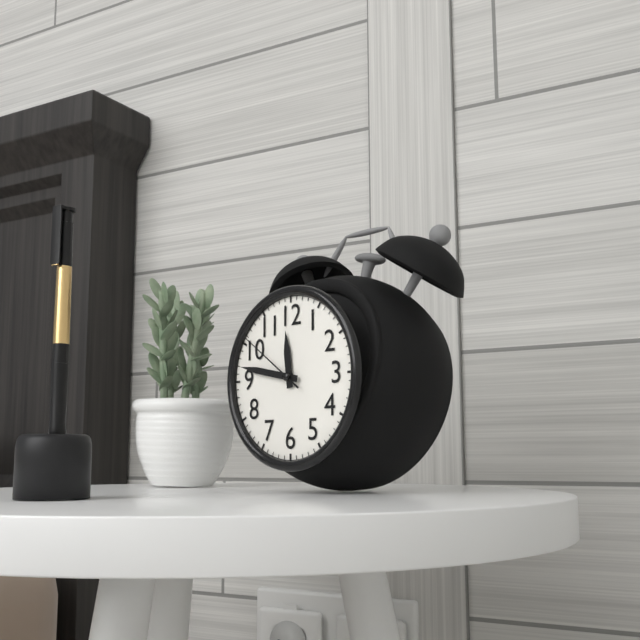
**11:47:51**
